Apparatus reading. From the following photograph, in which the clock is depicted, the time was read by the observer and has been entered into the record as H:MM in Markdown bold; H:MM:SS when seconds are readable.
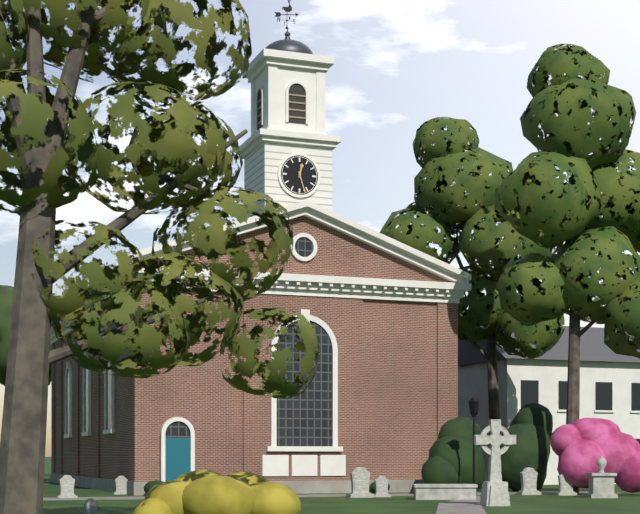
**12:27**
